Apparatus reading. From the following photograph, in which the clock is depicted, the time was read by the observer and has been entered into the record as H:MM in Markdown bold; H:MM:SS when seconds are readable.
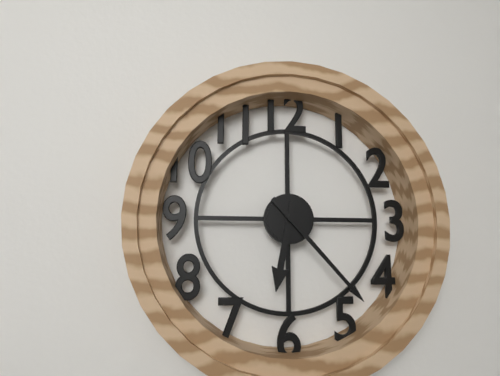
**6:23**
